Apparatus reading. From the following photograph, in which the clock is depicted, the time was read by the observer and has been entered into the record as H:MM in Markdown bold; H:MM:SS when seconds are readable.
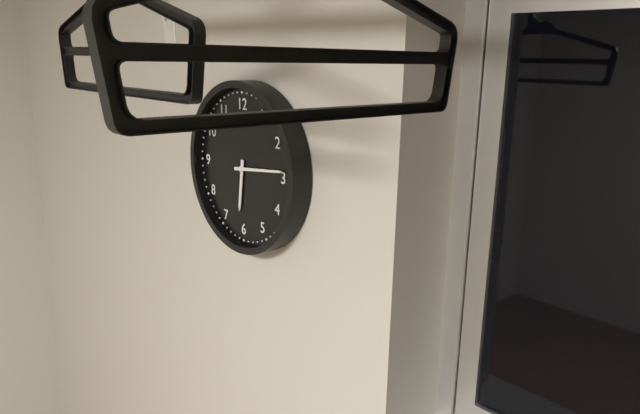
**6:14**
